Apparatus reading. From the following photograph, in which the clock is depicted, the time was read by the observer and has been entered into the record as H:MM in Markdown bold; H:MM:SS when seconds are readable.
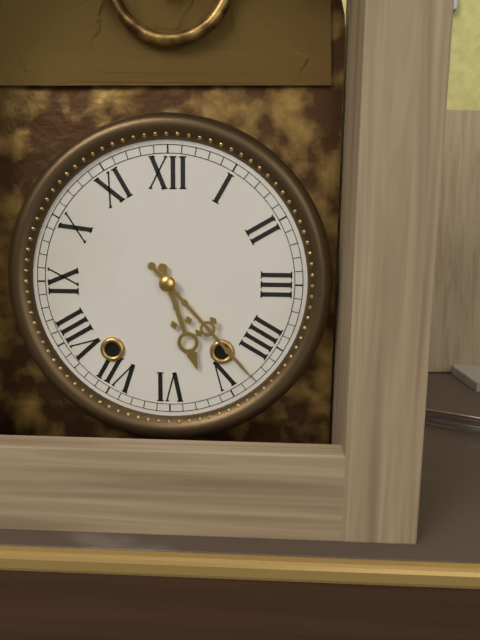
**5:23**
